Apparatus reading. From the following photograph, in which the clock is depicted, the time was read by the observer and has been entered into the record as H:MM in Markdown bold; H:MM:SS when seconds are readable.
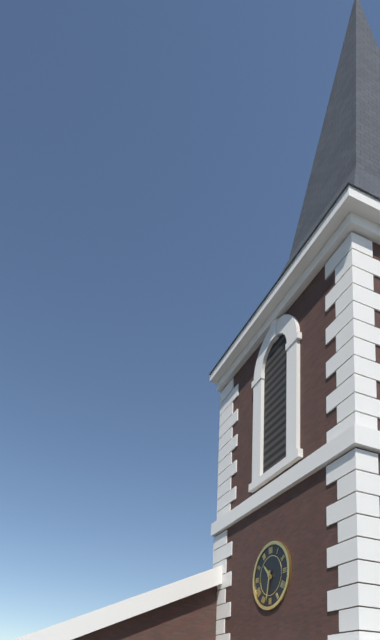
**10:32**
